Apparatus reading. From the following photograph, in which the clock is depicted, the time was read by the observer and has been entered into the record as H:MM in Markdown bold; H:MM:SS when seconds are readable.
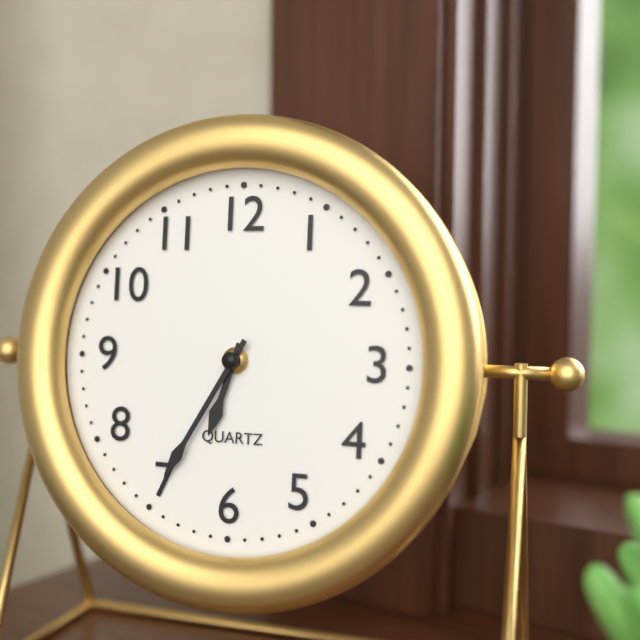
**6:35**
